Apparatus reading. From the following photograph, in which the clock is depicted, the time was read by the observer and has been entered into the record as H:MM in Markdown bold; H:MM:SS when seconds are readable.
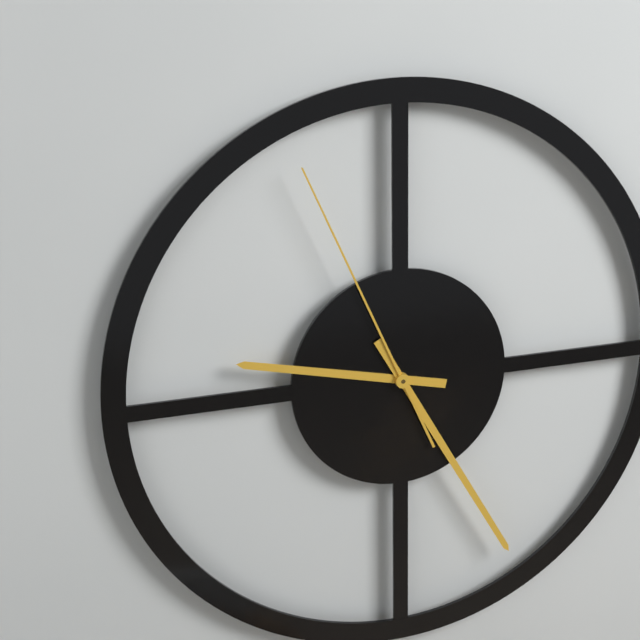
**9:25:56**
